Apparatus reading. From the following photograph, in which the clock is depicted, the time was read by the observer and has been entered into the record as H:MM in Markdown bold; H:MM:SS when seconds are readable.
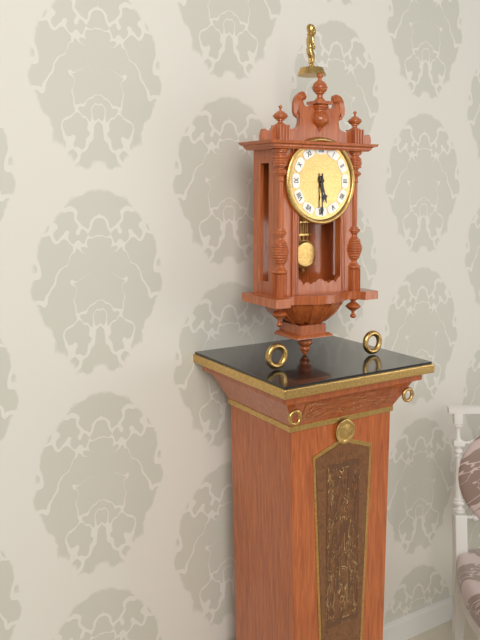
**5:30**
